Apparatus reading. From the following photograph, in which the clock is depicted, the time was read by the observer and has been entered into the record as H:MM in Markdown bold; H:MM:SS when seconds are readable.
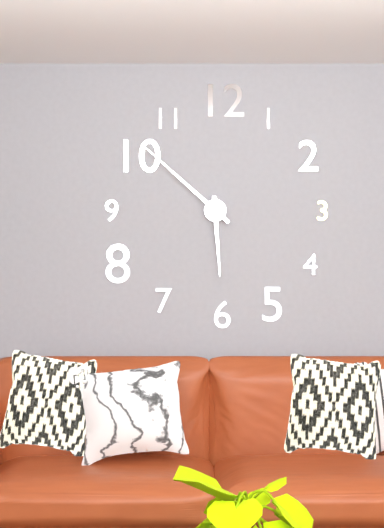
**5:52**
